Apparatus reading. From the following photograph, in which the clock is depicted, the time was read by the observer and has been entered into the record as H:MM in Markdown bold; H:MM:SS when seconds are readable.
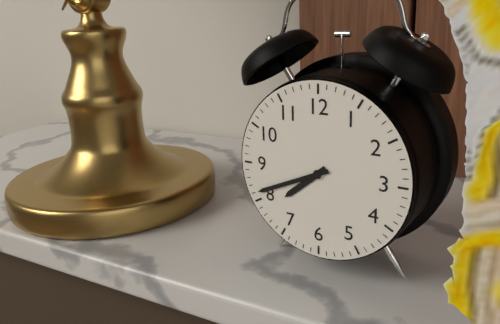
**7:41**
